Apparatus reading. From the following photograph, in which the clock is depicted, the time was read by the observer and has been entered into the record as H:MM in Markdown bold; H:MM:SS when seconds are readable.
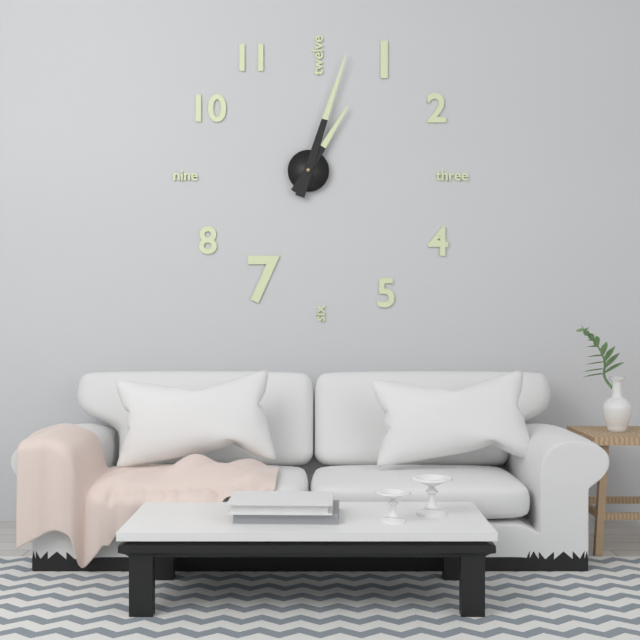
**1:03**
